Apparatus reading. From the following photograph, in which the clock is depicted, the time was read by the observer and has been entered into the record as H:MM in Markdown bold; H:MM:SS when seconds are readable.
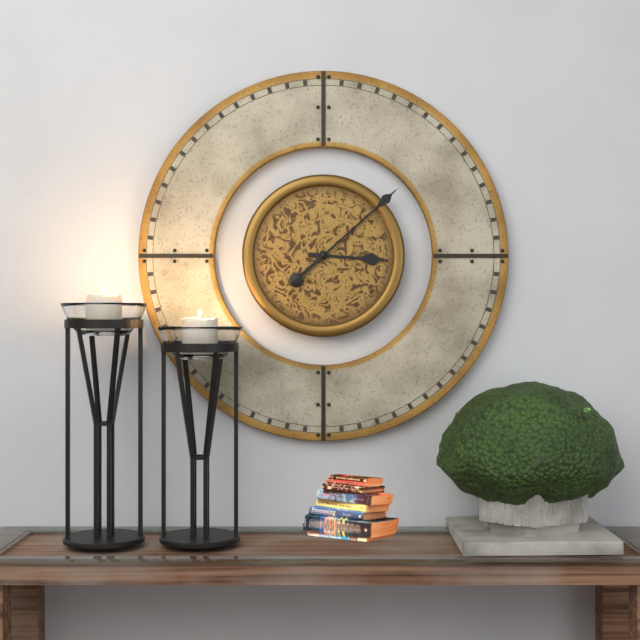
**3:08**
